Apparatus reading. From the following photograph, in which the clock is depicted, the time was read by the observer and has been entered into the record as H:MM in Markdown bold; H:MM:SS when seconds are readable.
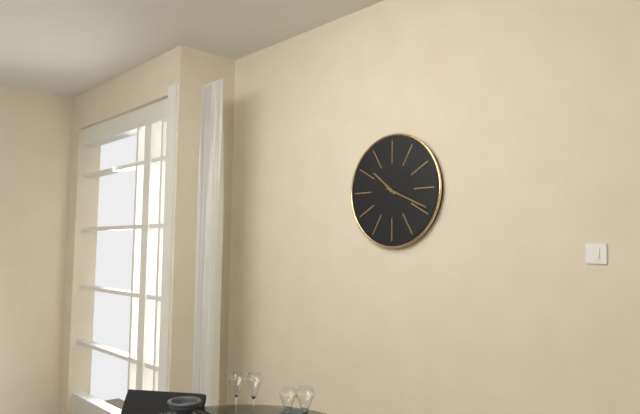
**10:19**
